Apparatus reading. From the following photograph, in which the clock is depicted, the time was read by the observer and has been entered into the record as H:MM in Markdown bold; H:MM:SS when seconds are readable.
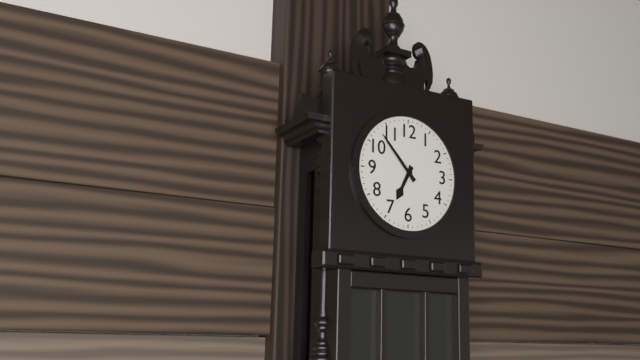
**6:53**
